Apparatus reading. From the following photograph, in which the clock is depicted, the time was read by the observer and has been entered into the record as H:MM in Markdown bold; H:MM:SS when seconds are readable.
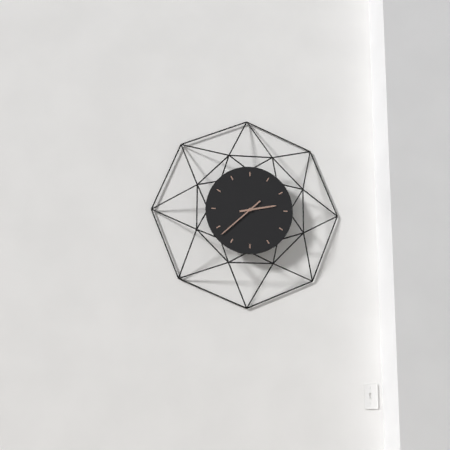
**2:38**
